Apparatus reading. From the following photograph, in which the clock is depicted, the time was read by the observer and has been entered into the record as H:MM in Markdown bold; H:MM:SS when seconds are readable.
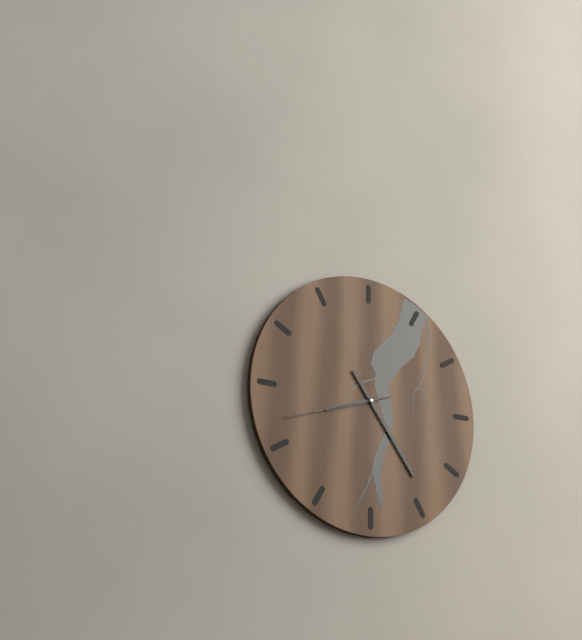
**8:24:42**
